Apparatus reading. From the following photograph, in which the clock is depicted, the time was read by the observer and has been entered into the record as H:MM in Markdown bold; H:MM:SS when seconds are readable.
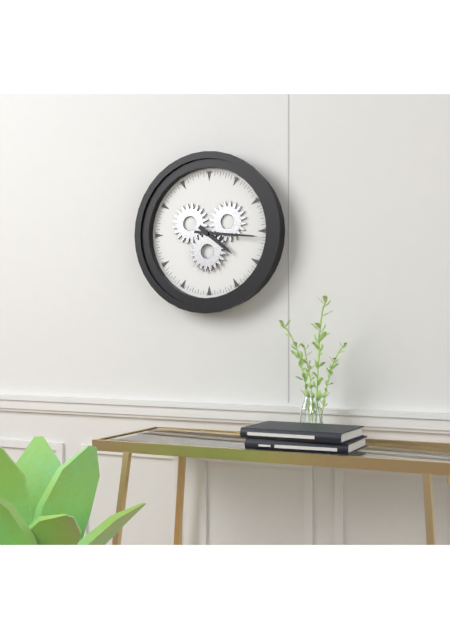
**4:16**
